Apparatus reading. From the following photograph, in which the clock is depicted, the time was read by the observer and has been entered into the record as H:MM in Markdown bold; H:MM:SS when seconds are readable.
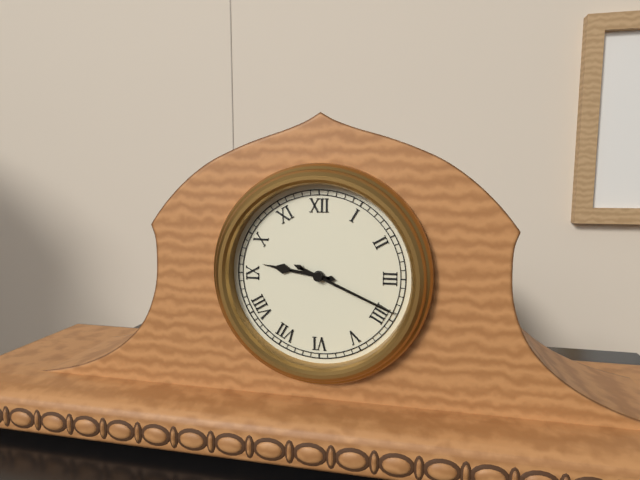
**9:19**
